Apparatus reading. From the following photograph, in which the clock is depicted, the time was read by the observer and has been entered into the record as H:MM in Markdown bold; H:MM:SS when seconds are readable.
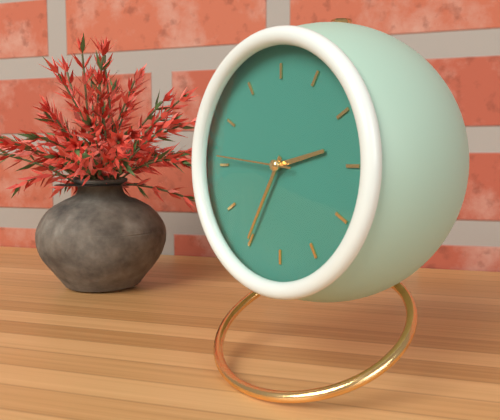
**2:35:46**
